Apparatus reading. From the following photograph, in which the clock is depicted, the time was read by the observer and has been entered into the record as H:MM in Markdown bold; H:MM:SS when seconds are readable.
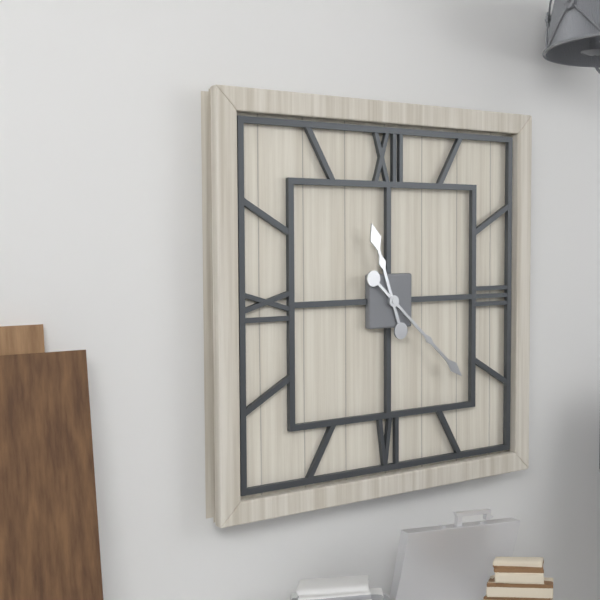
**11:22**
